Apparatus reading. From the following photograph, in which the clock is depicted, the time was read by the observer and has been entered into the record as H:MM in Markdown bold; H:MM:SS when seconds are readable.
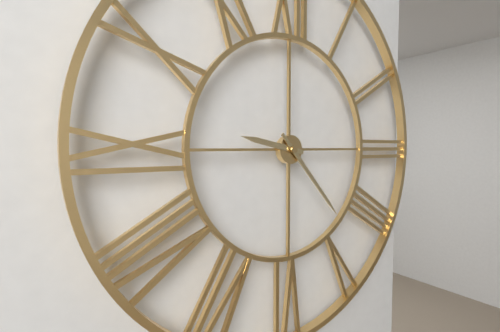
**9:23**
